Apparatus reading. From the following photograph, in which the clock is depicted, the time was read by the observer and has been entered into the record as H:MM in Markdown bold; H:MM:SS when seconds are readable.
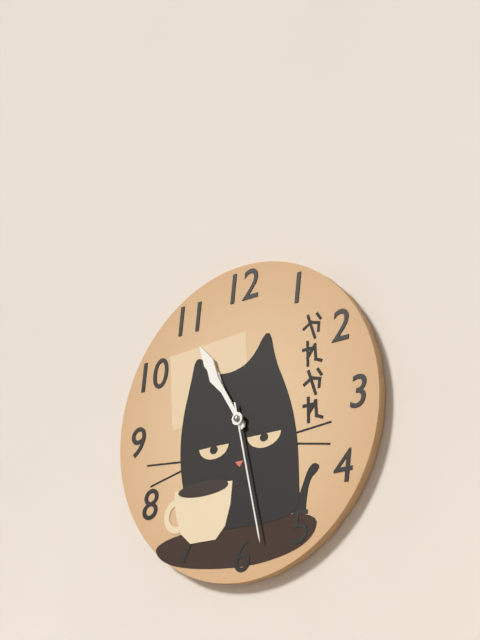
**10:55:28**
